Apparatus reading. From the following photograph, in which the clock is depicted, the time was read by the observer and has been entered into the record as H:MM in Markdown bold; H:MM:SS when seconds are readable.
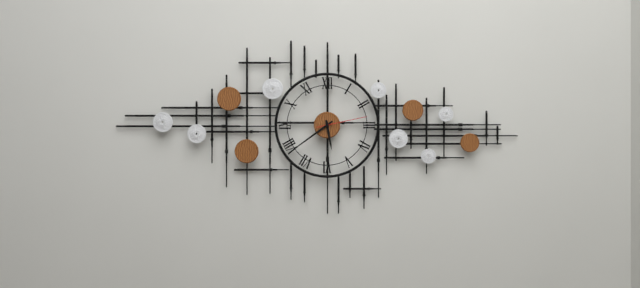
**5:39:13**
